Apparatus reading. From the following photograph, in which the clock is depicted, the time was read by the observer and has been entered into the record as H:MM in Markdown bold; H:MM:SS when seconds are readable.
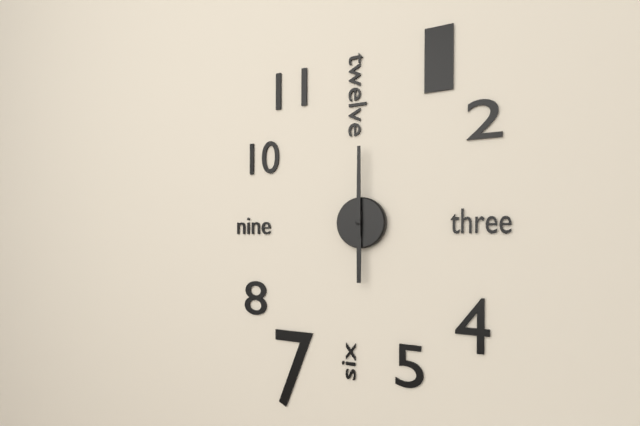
**6:00**
